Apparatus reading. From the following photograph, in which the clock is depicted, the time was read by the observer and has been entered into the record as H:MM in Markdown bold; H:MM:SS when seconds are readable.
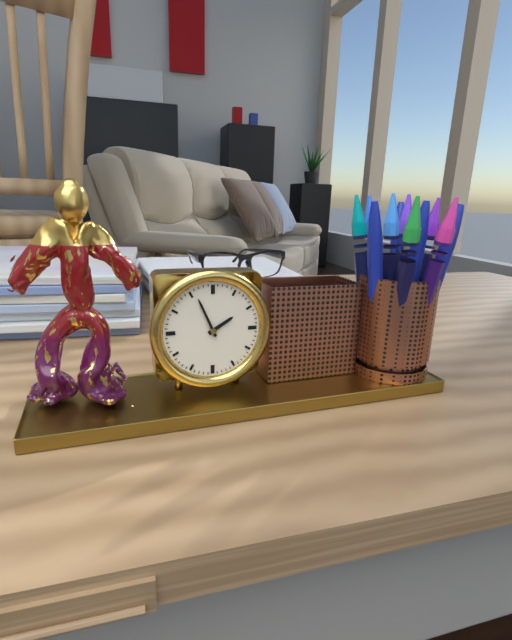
**1:56**
